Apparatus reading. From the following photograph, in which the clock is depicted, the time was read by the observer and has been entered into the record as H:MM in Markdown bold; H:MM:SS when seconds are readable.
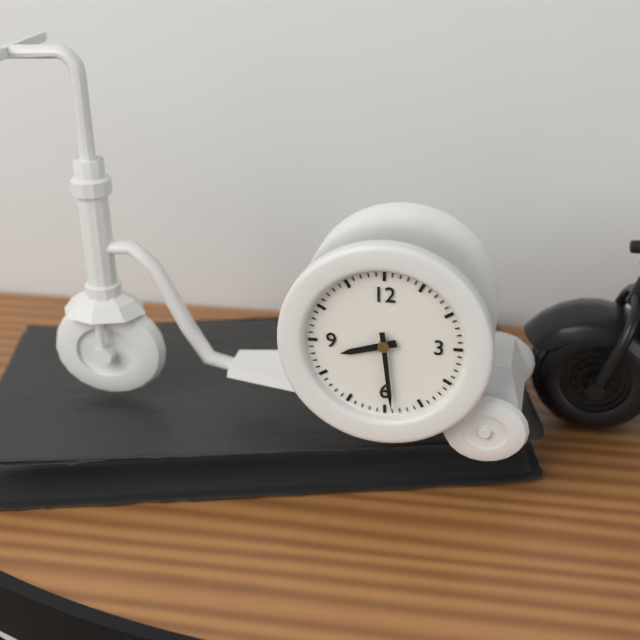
**8:29**
